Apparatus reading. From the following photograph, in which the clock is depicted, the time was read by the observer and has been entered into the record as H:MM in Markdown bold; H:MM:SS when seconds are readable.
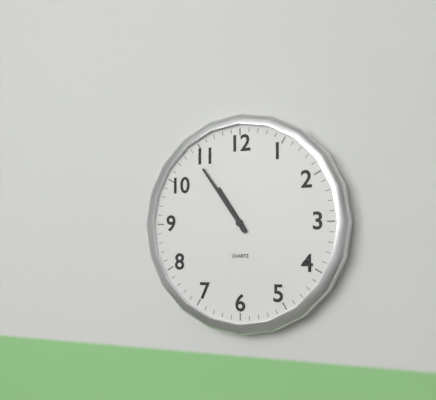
**10:54**
